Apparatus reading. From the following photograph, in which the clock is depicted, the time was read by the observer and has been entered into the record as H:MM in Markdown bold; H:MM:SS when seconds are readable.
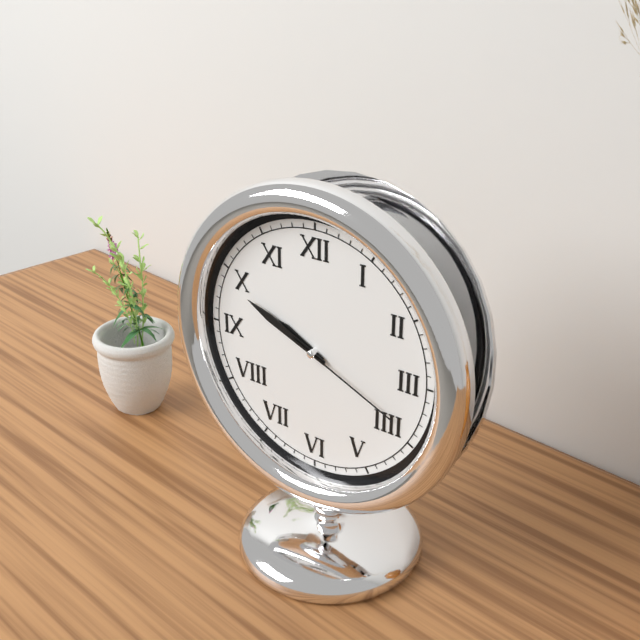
**9:49:19**
